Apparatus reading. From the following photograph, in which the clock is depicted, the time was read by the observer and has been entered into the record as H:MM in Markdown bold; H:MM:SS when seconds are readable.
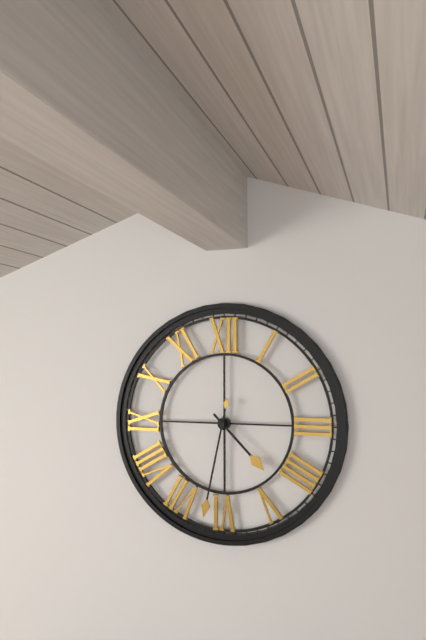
**4:32**
